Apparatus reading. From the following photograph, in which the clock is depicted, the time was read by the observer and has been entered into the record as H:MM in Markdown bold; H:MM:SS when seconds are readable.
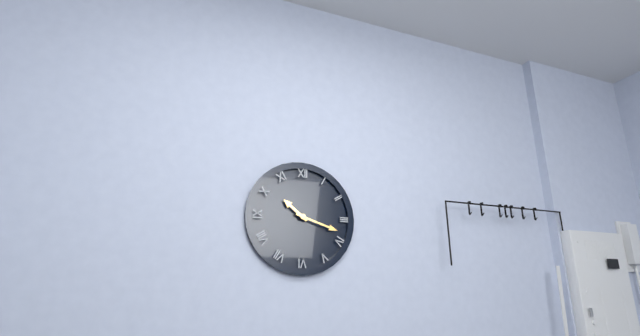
**10:18**
